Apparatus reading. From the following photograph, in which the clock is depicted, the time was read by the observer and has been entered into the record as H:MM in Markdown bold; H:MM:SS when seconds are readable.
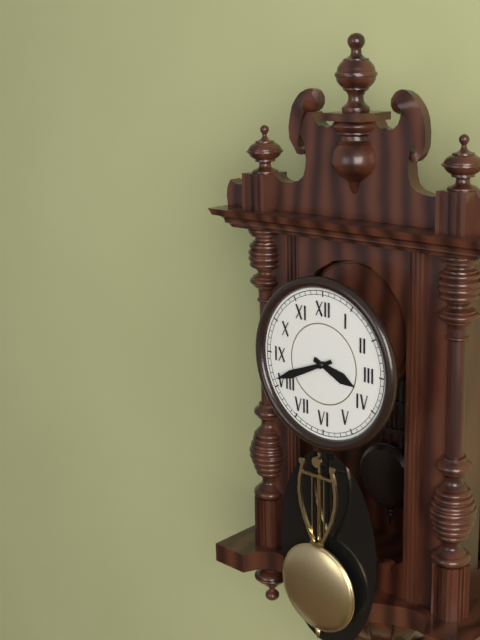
**3:41**
